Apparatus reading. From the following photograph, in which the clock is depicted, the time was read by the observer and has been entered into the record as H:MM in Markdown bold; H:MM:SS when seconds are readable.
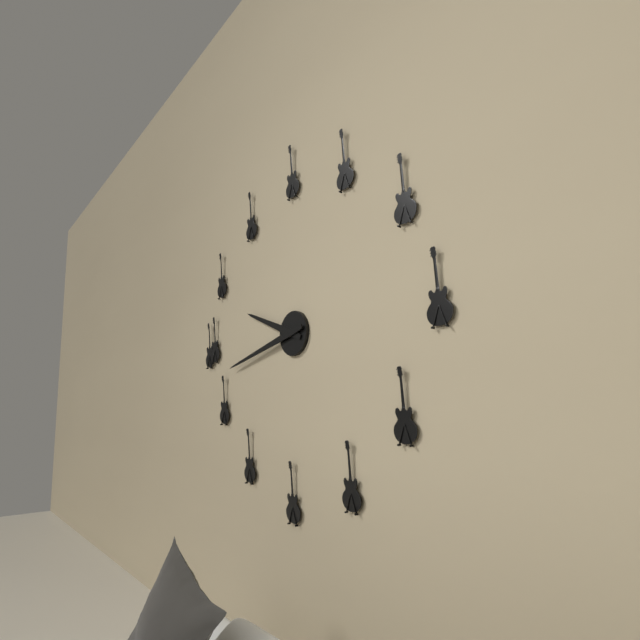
**9:43**
